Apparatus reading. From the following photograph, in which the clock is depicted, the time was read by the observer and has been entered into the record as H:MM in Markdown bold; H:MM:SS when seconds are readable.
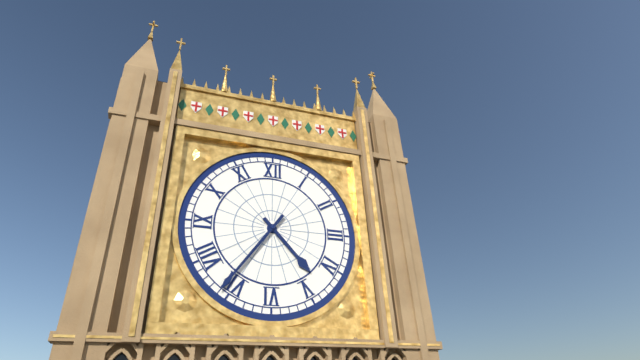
**4:36**
